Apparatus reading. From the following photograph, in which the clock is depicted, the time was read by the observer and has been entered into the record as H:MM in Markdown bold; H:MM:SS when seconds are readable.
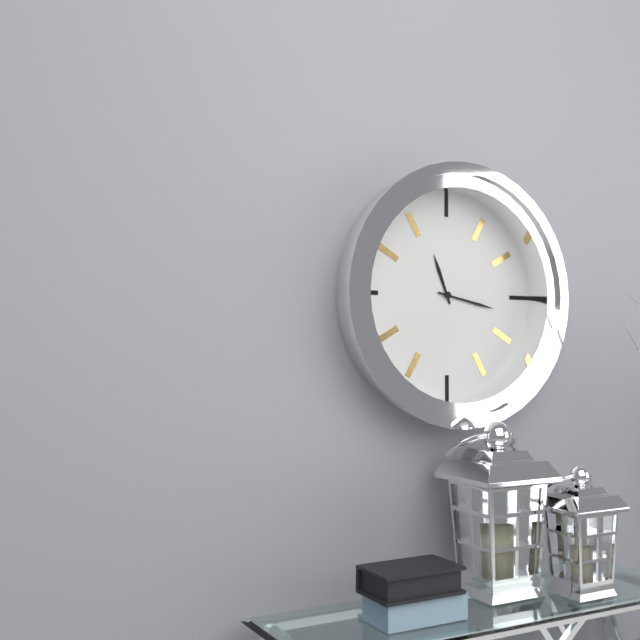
**11:17**
